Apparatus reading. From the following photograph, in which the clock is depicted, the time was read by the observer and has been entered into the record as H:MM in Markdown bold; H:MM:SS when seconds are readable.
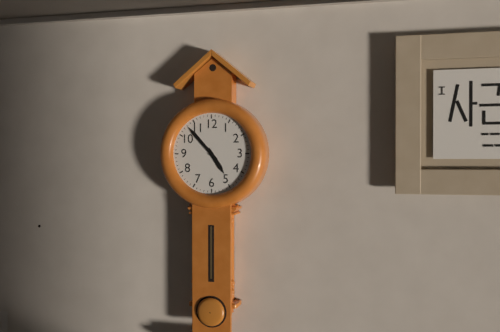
**4:53**
